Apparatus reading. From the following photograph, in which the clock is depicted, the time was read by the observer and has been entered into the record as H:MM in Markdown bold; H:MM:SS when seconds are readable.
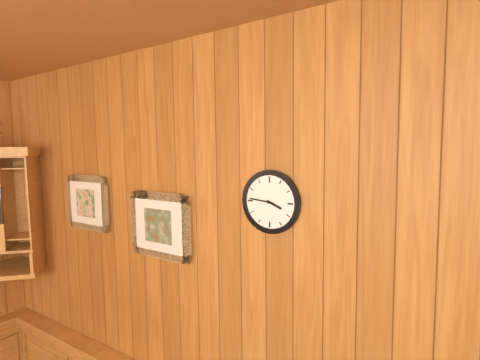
**3:46**
